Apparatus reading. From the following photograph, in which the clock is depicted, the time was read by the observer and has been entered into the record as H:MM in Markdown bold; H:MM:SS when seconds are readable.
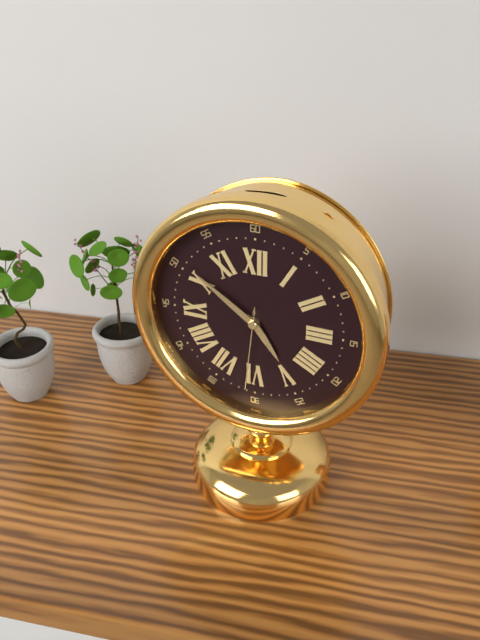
**4:51:31**
